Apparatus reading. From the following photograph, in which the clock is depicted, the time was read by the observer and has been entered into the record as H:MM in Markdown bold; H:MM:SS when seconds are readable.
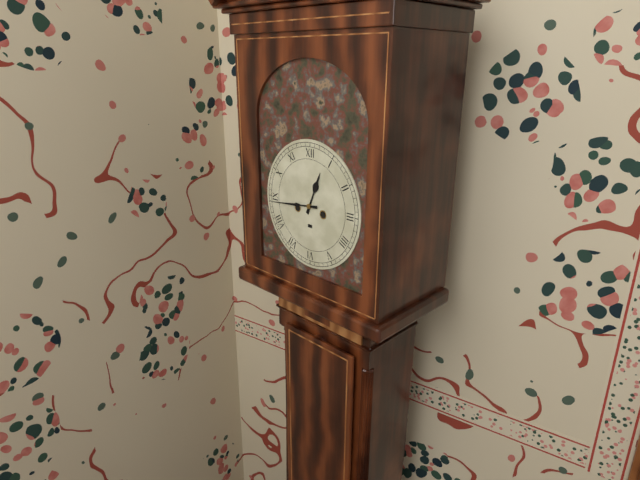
**12:44**
